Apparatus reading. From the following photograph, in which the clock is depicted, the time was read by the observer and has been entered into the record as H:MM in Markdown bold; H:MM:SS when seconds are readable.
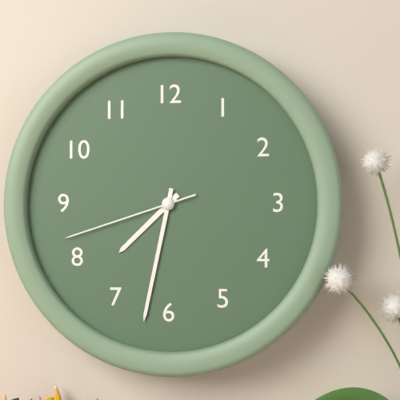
**7:32:42**
